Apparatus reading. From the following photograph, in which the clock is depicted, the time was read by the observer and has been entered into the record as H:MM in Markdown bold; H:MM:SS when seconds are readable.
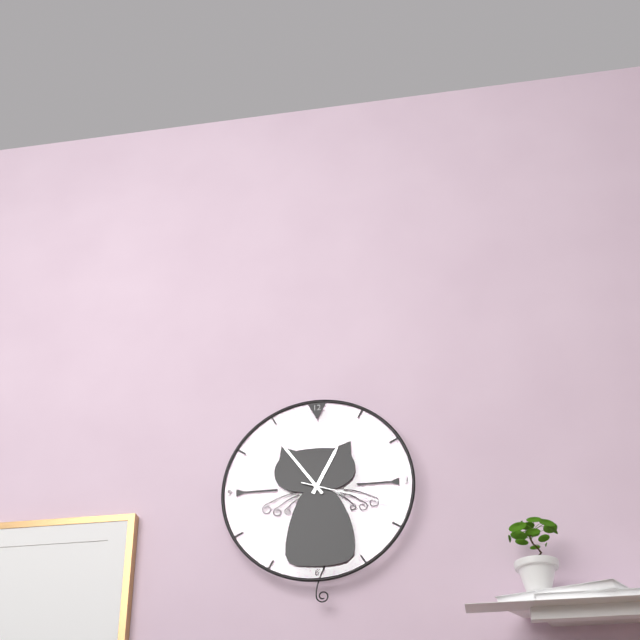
**12:54:18**
